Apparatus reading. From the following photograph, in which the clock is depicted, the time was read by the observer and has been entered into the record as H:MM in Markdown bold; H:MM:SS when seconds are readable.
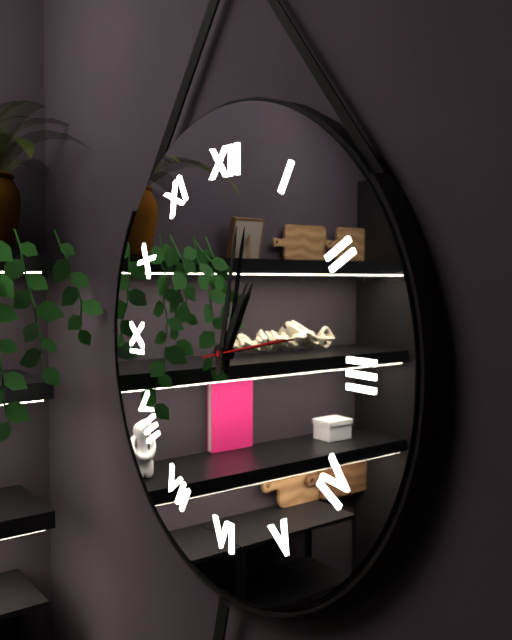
**1:02:13**
